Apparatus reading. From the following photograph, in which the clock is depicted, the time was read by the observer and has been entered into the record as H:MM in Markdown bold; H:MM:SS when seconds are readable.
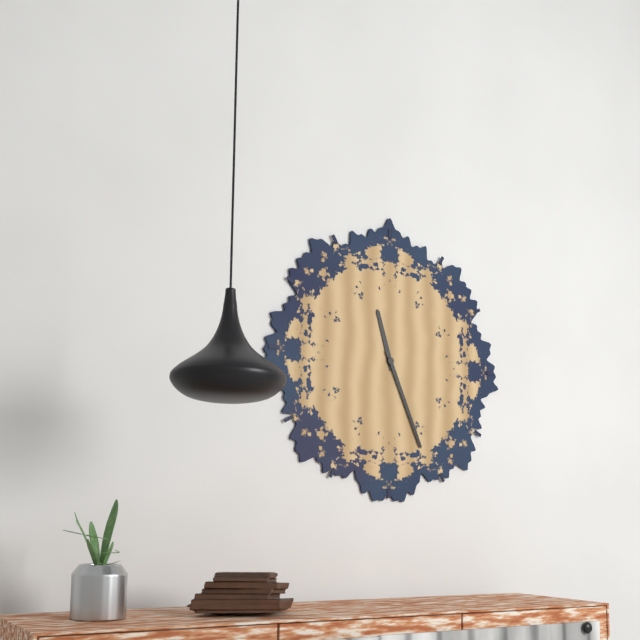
**11:26**
